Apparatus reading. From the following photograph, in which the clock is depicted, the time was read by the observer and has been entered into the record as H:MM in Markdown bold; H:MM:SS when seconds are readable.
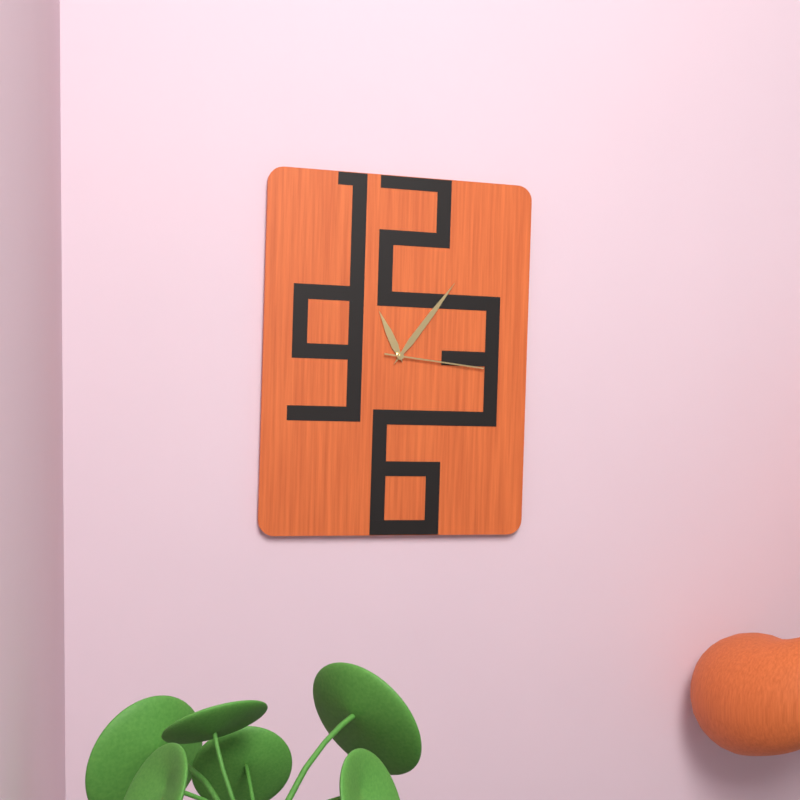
**11:06:16**
